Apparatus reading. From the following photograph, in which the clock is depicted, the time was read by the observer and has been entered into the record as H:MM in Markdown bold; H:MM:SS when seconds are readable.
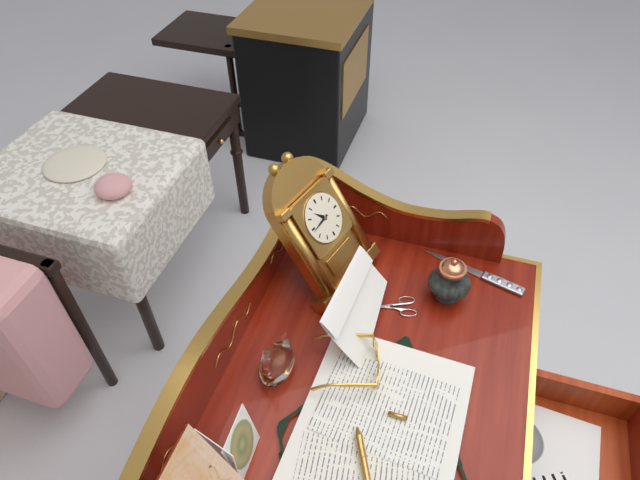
**10:44**
